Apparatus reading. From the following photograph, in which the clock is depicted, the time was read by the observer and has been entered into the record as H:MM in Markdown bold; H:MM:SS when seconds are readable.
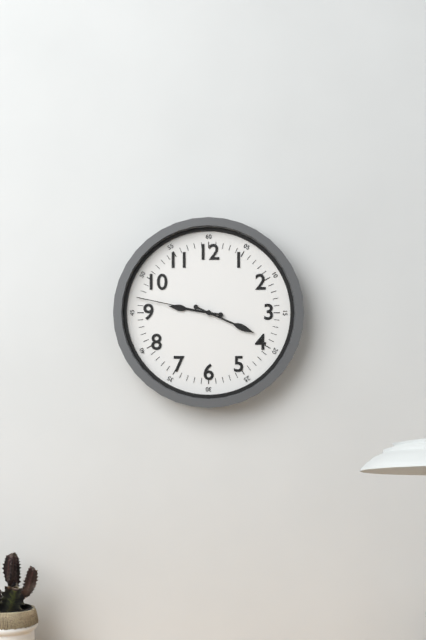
**9:19:47**
